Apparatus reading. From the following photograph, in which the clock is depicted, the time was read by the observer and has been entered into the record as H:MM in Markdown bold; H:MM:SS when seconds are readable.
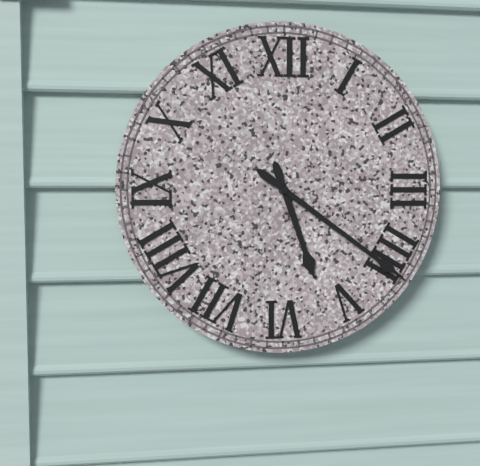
**5:21**
